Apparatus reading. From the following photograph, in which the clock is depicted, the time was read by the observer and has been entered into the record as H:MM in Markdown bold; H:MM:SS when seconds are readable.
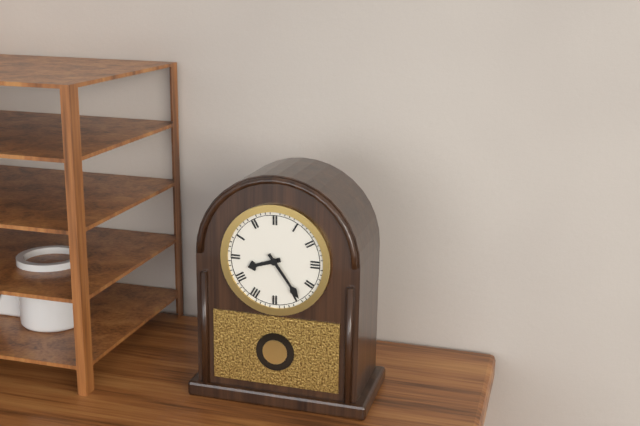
**8:24**
